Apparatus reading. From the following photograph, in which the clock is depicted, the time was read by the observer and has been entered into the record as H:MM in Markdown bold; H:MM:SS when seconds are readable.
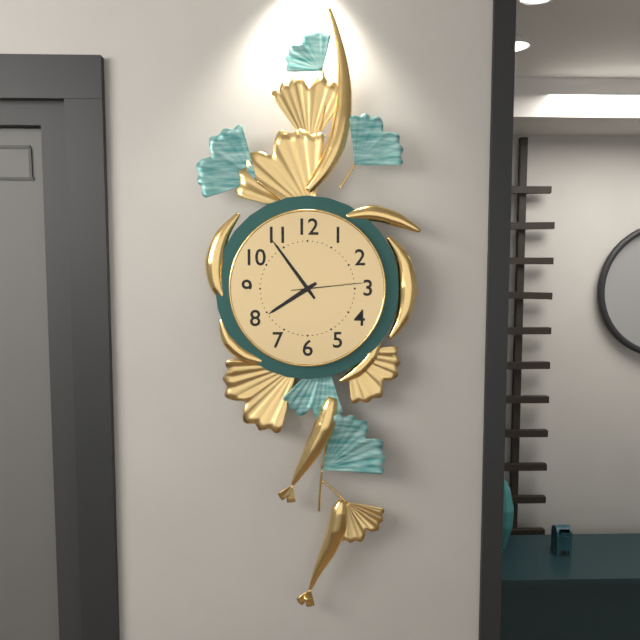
**7:54:14**
